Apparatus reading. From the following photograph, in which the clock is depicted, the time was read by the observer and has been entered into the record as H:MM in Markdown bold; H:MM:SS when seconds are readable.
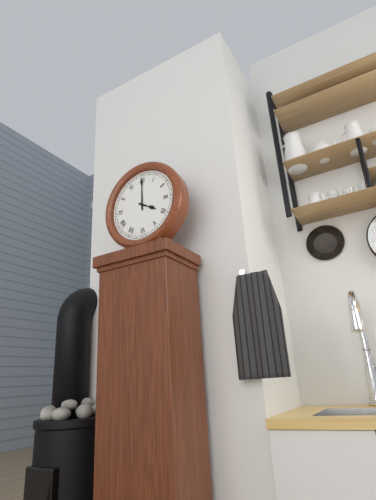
**4:00**
